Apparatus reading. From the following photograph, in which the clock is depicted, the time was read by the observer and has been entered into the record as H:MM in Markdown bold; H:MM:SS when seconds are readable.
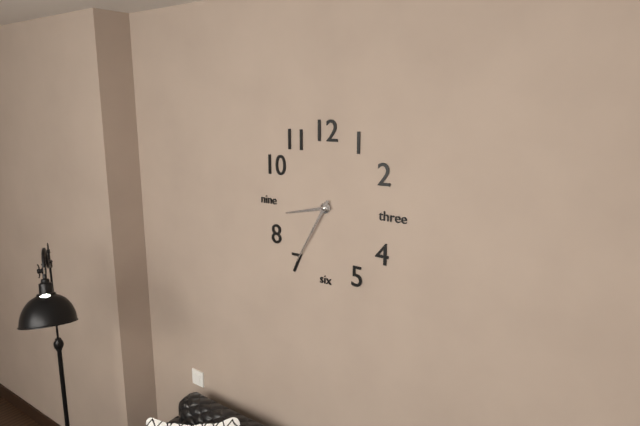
**8:35**
